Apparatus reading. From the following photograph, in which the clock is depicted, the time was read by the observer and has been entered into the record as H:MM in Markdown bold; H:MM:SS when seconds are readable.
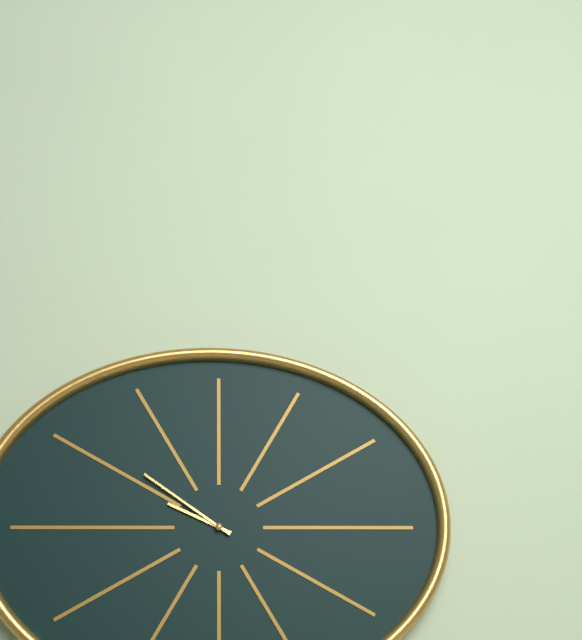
**9:51**
